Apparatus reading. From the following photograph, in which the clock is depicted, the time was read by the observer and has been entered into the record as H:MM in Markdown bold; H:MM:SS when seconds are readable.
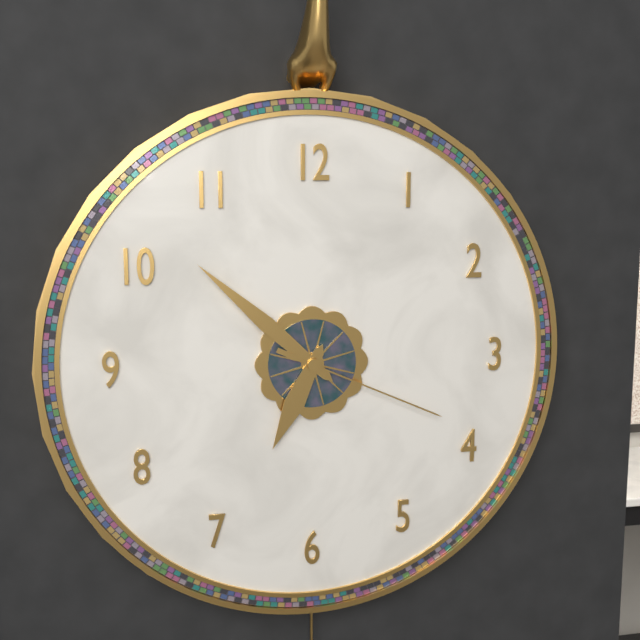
**6:52:19**
